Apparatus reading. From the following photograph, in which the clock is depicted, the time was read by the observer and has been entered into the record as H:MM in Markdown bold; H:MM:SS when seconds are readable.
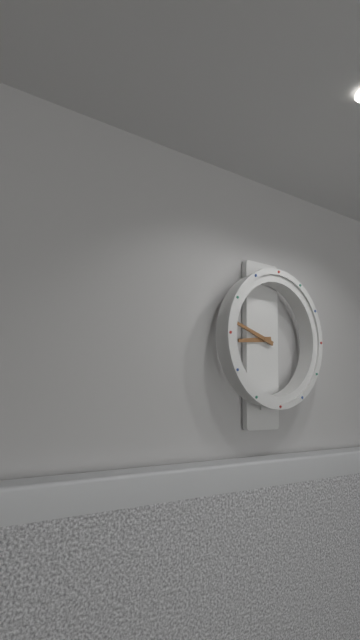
**8:48**
